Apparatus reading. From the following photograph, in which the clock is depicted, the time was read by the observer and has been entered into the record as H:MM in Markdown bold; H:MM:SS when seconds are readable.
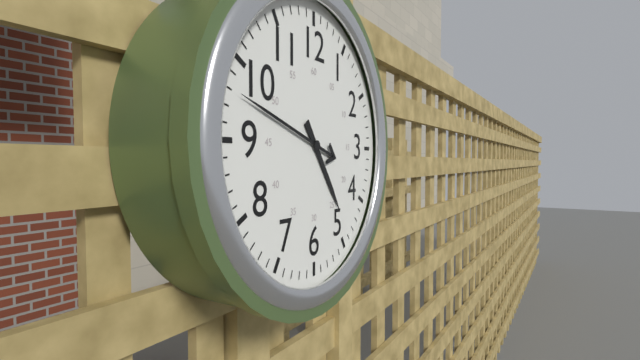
**4:48**
